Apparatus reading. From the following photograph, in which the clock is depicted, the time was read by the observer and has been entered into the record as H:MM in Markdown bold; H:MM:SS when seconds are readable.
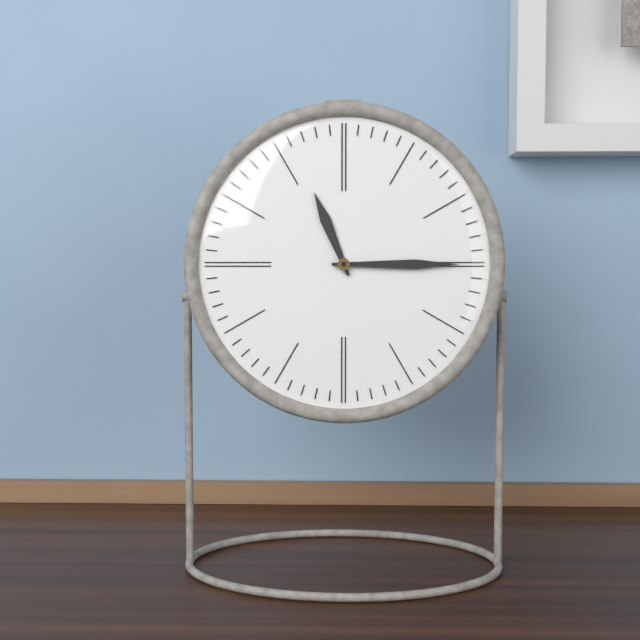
**11:15**
